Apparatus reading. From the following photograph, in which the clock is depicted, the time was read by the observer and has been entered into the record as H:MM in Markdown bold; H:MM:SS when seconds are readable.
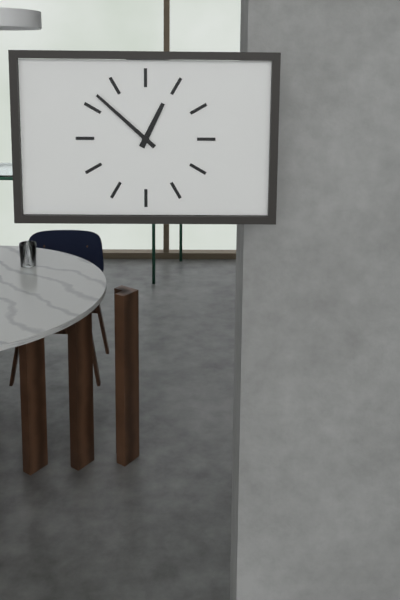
**12:52**
